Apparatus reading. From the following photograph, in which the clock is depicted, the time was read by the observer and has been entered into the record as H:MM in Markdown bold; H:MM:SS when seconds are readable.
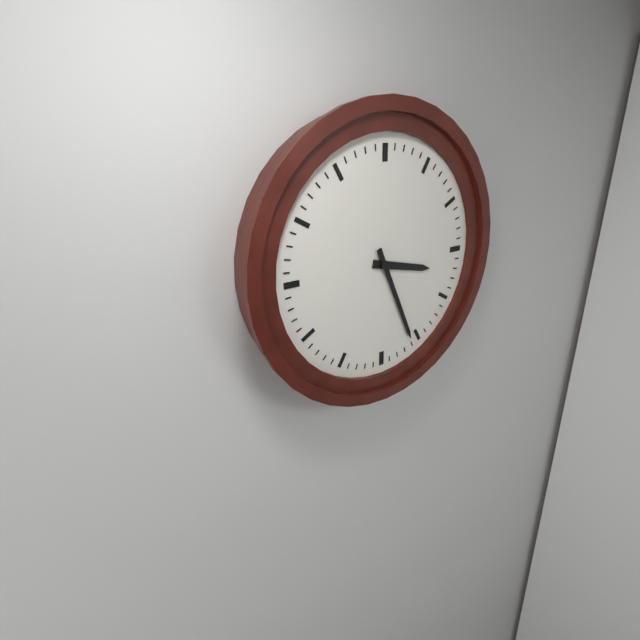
**3:26**
